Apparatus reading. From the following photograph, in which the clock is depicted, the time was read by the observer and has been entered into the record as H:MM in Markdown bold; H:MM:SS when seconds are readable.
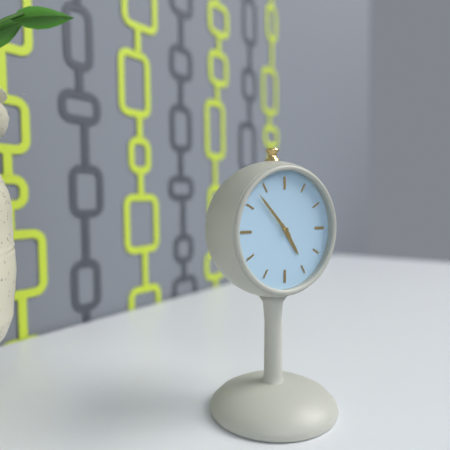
**4:53**
